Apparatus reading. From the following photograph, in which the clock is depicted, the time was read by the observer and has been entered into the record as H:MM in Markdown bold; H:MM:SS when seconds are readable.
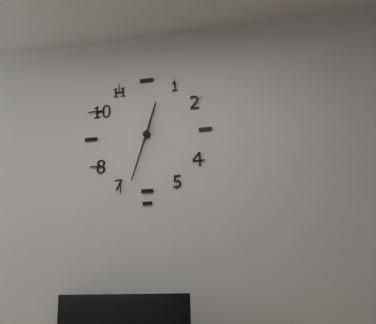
**12:33**
